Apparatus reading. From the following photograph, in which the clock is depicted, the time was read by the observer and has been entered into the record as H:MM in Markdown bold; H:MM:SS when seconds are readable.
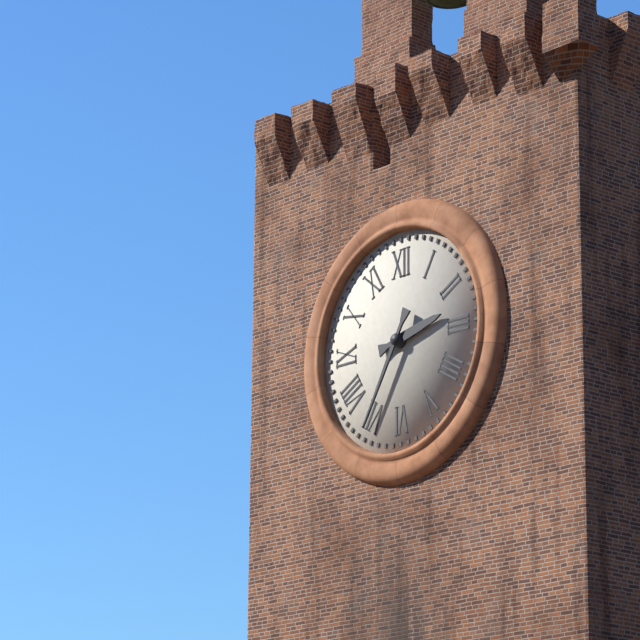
**2:35**
